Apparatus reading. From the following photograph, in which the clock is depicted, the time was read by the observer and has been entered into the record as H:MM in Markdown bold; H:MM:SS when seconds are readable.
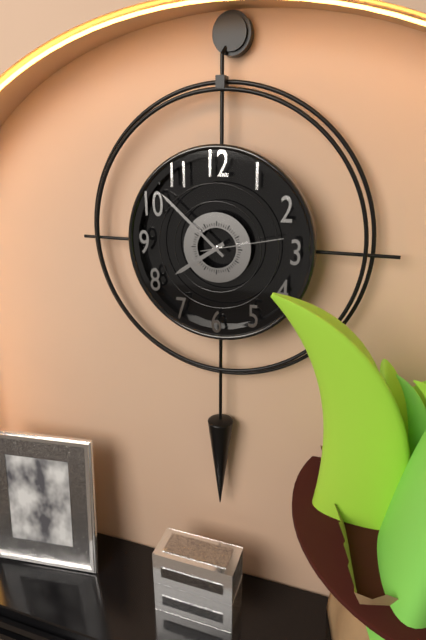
**7:52:13**
